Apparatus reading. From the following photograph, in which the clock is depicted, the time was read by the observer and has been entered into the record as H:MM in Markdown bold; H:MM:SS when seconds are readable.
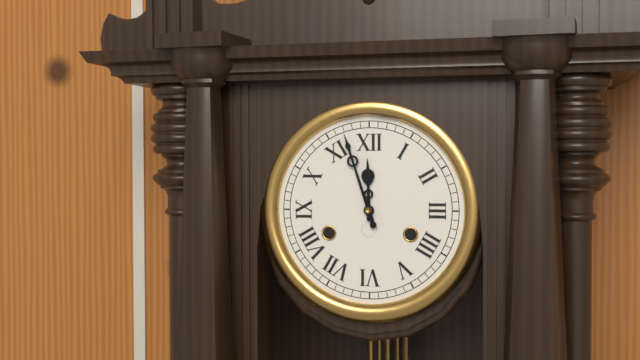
**11:57**
